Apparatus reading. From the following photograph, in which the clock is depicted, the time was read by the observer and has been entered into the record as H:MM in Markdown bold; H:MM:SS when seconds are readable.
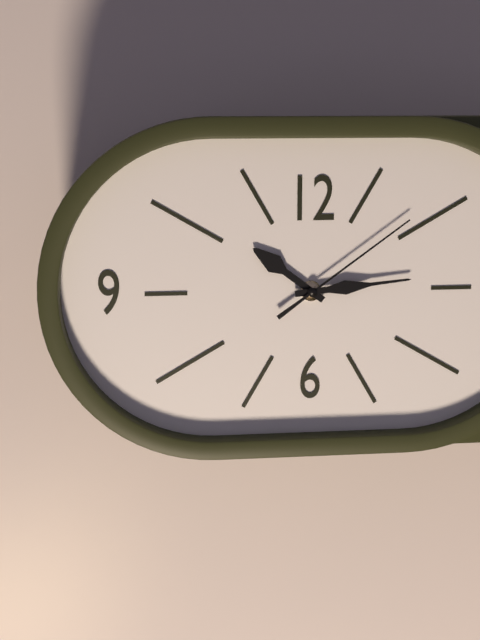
**10:14:09**
